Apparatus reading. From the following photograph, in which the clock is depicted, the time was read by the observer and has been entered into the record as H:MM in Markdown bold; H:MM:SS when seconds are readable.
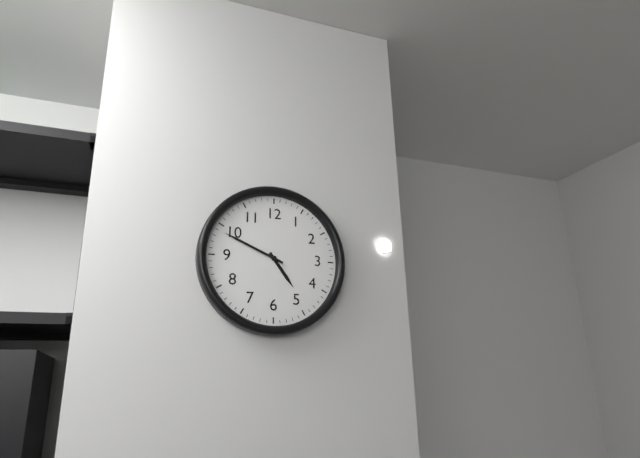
**4:49**
